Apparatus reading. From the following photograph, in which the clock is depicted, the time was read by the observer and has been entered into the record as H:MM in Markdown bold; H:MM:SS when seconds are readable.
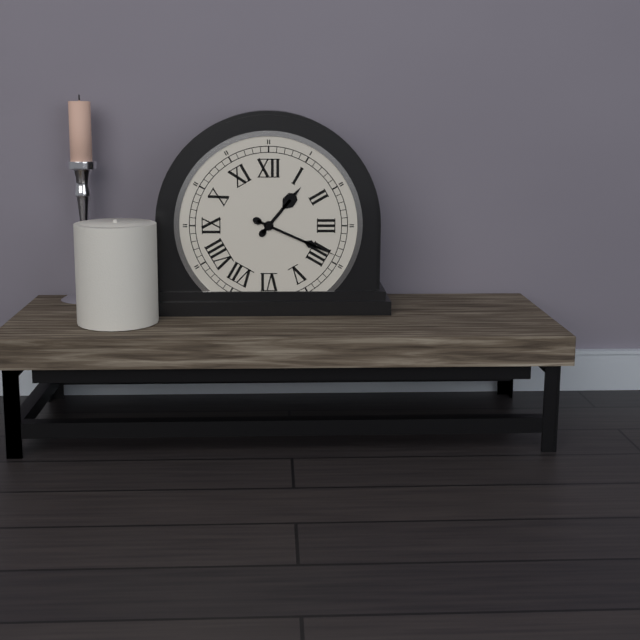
**1:19**
